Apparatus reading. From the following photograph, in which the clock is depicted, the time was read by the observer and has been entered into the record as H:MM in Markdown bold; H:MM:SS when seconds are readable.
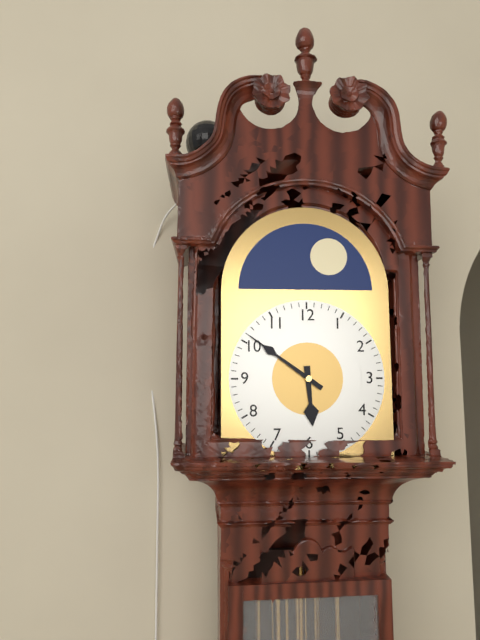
**5:51**
